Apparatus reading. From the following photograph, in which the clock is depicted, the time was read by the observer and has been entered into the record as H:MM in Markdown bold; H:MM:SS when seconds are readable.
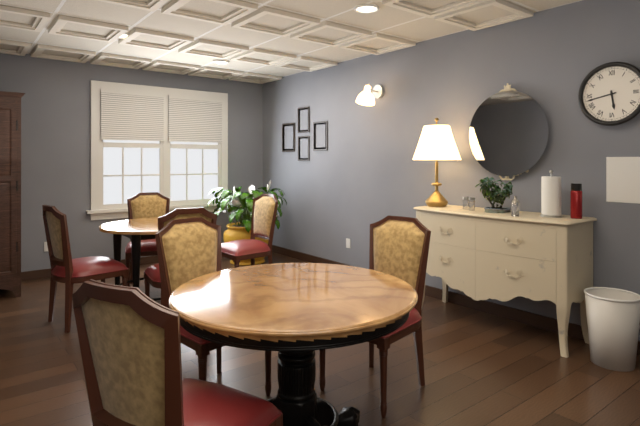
**5:43**
